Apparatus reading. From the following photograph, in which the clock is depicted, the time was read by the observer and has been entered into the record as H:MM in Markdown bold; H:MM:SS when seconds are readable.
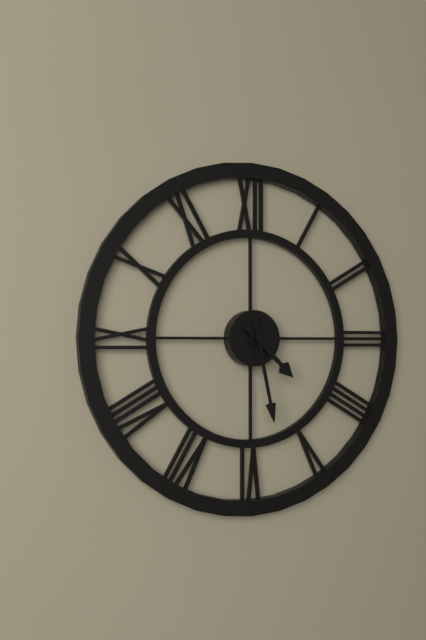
**4:28**
